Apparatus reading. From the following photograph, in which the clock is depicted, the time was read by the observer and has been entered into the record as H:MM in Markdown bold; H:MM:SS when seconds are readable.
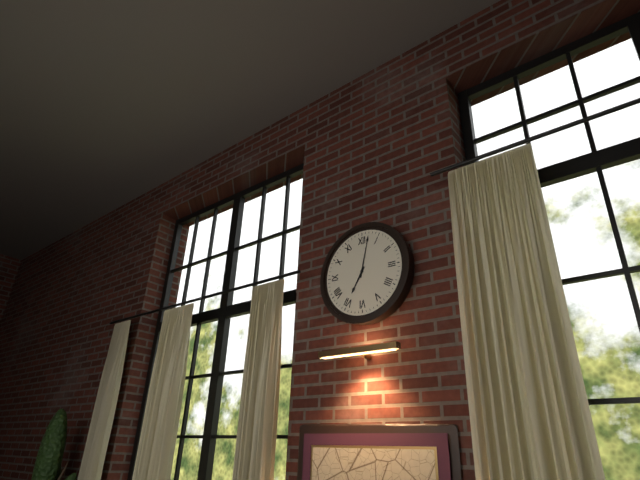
**7:02**
